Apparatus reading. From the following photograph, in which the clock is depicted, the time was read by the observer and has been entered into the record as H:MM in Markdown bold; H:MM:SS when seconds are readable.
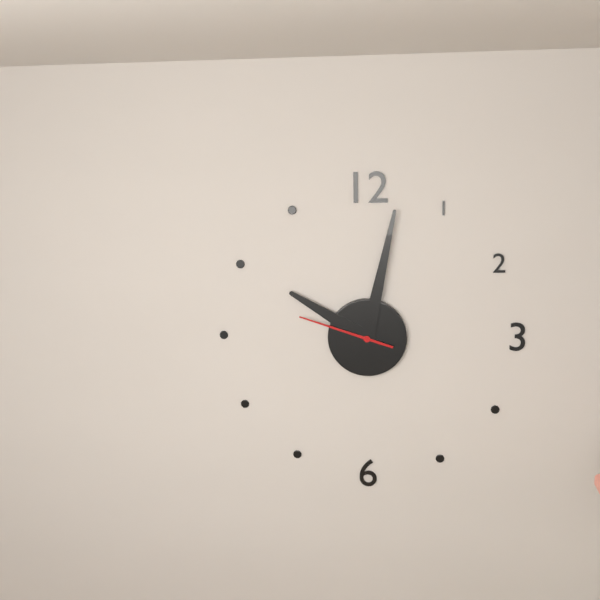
**10:02:48**
